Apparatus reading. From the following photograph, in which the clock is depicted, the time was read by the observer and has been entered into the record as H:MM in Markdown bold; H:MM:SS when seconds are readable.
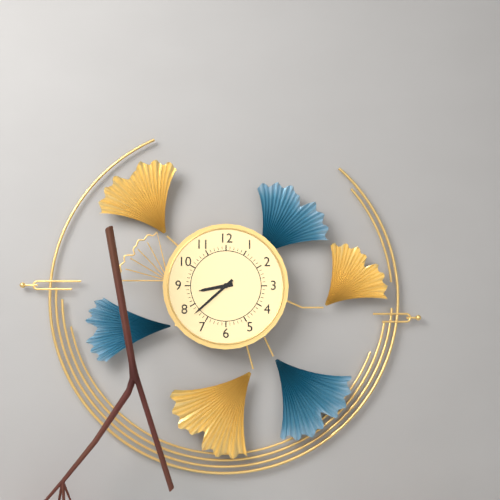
**8:38**
